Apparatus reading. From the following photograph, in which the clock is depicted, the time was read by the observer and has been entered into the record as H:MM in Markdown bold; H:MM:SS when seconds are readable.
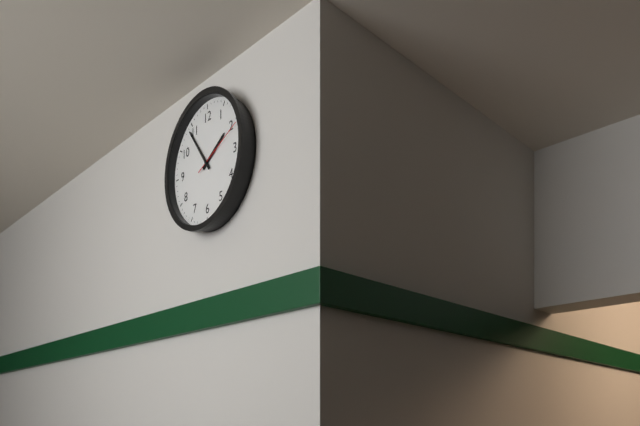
**1:54:11**
